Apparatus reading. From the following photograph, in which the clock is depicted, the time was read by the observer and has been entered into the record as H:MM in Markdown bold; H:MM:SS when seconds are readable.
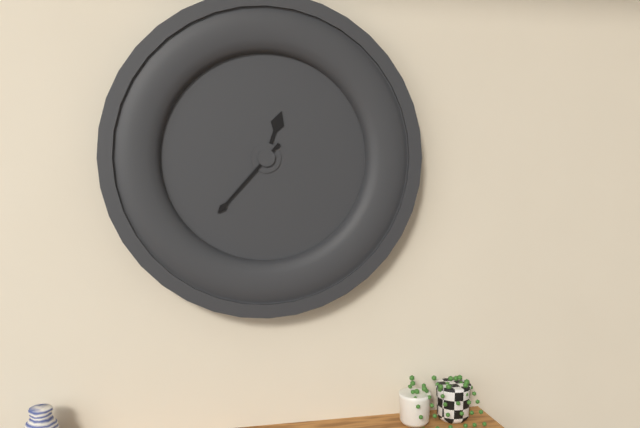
**12:37**
